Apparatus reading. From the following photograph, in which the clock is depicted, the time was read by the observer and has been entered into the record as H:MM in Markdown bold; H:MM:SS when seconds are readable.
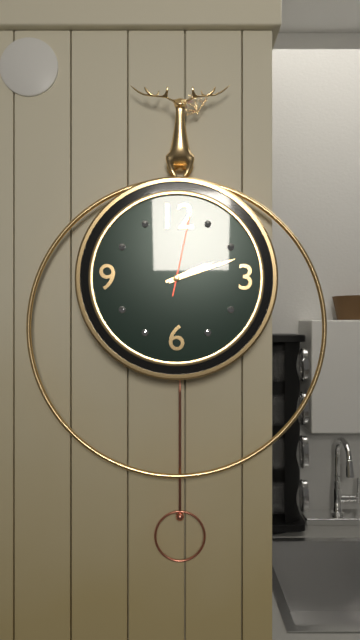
**2:12:02**
